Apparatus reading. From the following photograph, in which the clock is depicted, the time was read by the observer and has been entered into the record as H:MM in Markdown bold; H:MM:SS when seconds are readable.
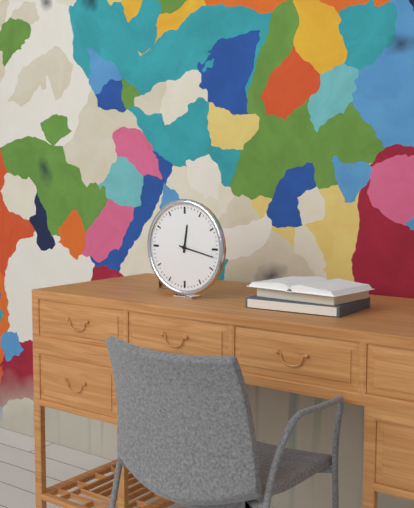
**12:17**
